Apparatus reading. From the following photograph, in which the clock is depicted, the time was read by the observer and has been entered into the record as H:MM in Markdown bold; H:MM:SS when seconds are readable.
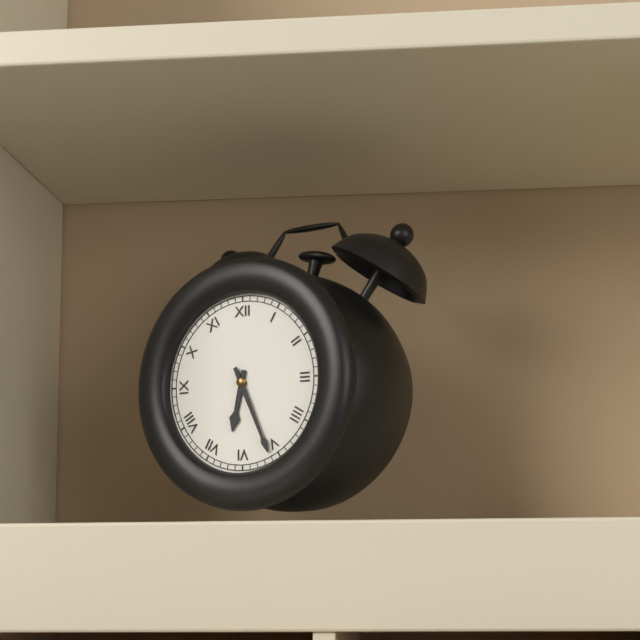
**6:26**
